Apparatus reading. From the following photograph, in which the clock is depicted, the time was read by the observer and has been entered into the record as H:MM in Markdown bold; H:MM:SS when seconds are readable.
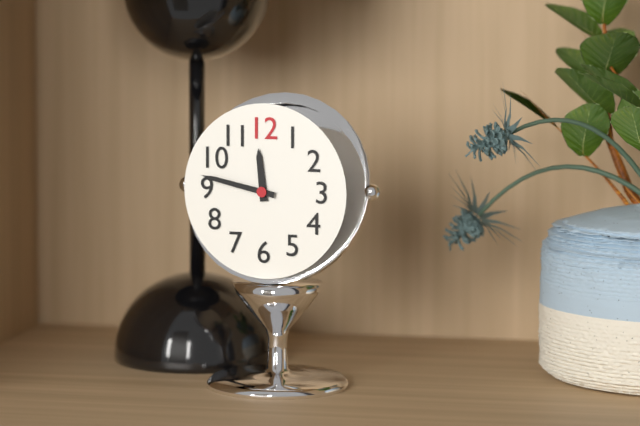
**11:47**
